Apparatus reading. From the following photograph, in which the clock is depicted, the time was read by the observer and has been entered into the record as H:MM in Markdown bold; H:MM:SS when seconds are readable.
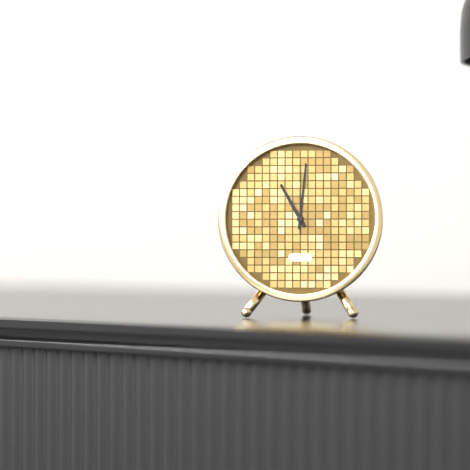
**11:01:00**
